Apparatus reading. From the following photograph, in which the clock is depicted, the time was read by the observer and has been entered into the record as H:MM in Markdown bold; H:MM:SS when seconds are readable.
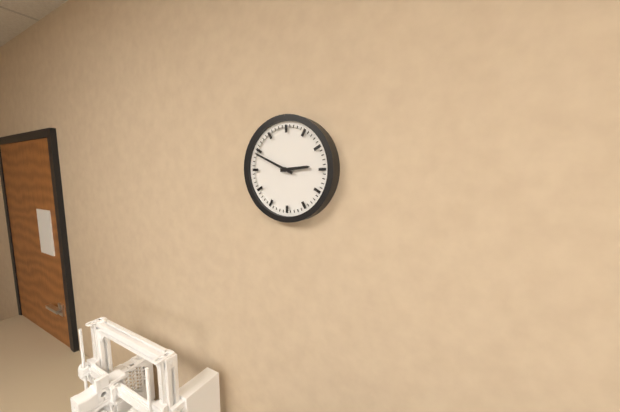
**2:49**
